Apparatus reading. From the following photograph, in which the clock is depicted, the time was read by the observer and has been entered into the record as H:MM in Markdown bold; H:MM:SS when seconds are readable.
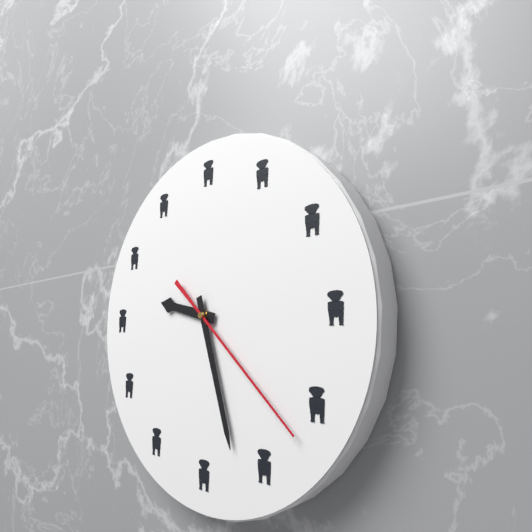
**9:27:22**
